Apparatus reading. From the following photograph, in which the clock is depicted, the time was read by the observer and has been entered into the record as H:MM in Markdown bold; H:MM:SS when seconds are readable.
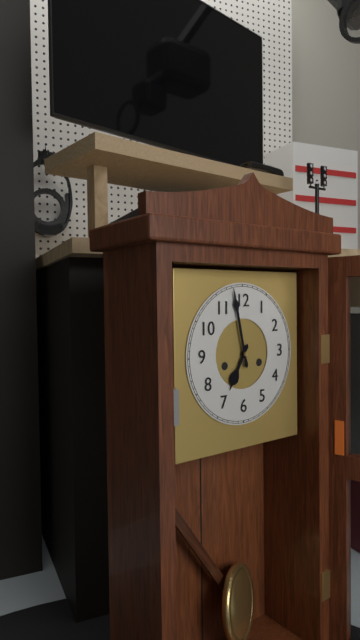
**6:58**
